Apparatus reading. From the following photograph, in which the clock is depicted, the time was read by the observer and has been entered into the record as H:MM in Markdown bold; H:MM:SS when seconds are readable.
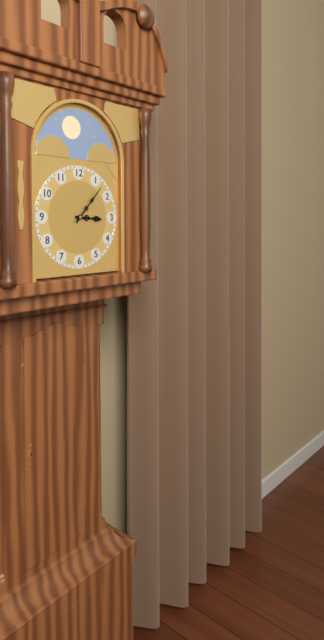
**3:07**
